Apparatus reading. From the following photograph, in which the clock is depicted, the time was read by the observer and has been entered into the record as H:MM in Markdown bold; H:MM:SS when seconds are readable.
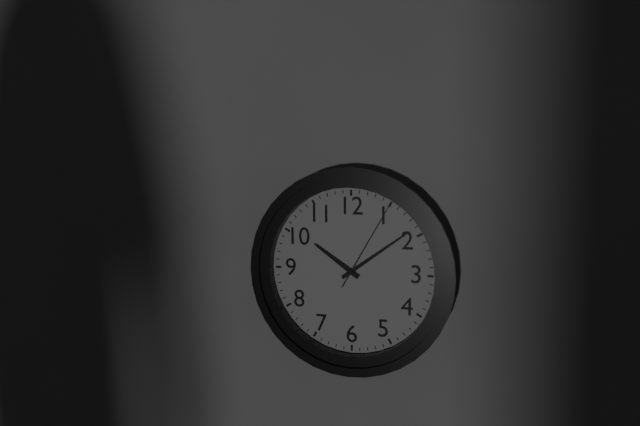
**10:09:05**
